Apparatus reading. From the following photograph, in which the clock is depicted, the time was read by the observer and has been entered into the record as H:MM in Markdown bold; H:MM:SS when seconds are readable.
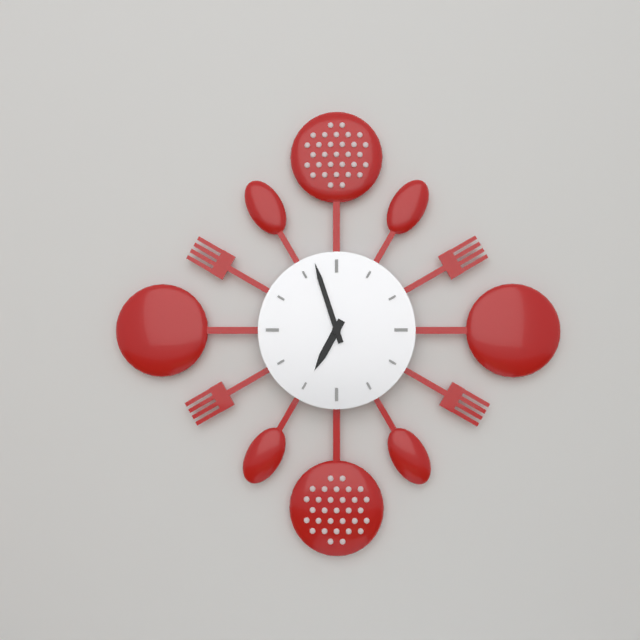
**6:57**
